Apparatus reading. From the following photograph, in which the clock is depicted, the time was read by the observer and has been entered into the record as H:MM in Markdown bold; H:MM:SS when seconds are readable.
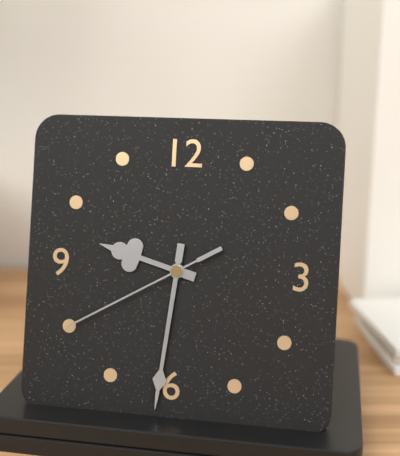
**9:31:40**
